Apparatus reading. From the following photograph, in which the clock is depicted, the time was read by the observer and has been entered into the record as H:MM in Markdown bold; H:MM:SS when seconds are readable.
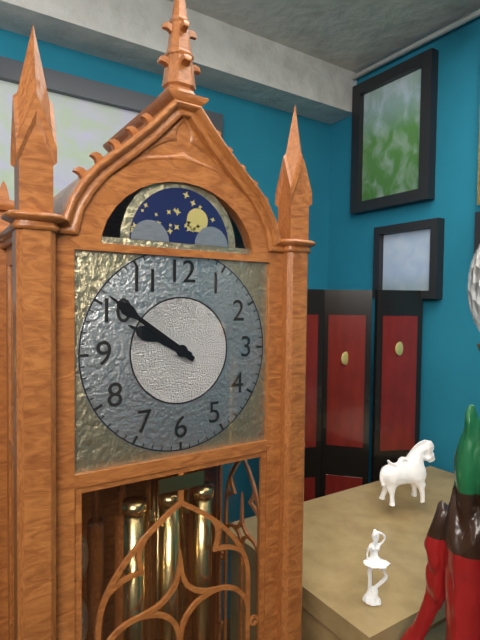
**9:51**
